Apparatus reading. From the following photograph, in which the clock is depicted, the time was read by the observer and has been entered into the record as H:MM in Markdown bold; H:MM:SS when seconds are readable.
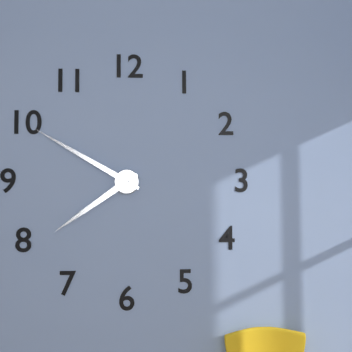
**7:50**
